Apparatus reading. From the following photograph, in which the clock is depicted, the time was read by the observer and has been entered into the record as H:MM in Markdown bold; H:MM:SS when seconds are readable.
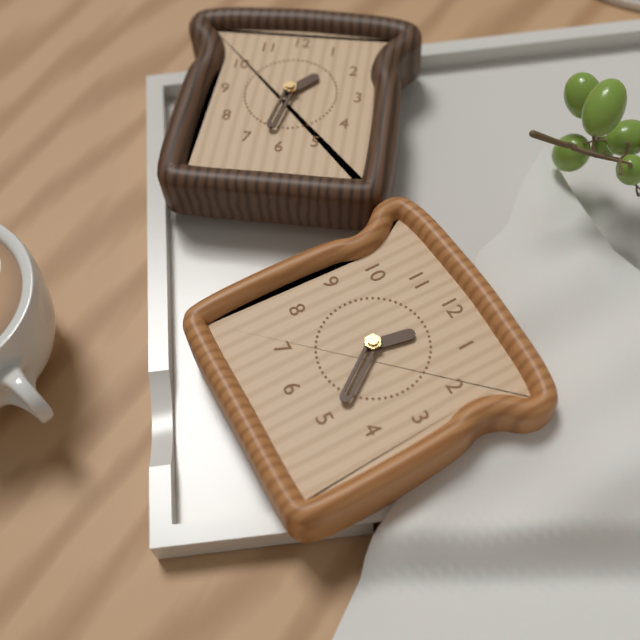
**12:24**
